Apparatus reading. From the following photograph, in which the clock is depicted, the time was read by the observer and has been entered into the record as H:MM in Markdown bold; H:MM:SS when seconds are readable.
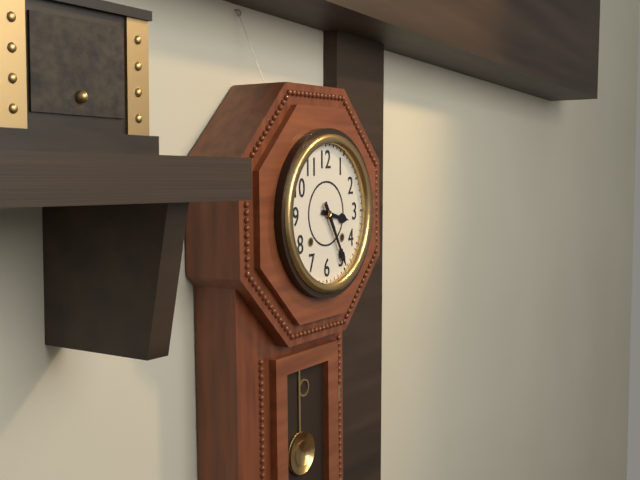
**3:25**
